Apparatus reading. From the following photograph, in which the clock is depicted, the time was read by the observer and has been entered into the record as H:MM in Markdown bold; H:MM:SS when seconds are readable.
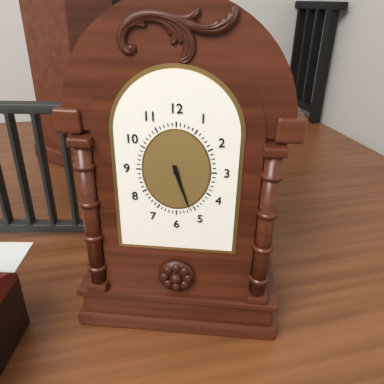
**5:27**
